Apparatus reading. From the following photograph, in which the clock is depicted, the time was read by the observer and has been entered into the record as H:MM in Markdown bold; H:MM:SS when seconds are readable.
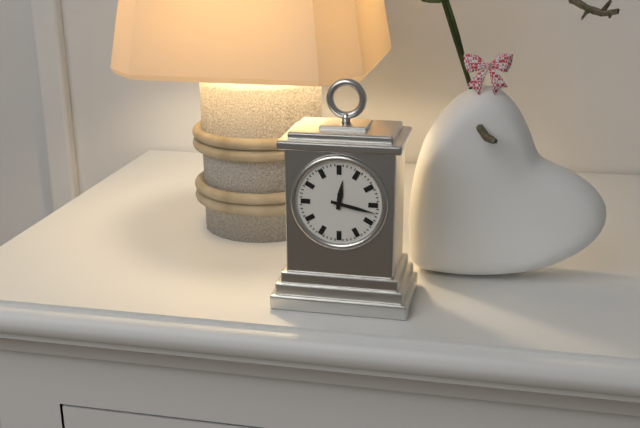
**12:17**
